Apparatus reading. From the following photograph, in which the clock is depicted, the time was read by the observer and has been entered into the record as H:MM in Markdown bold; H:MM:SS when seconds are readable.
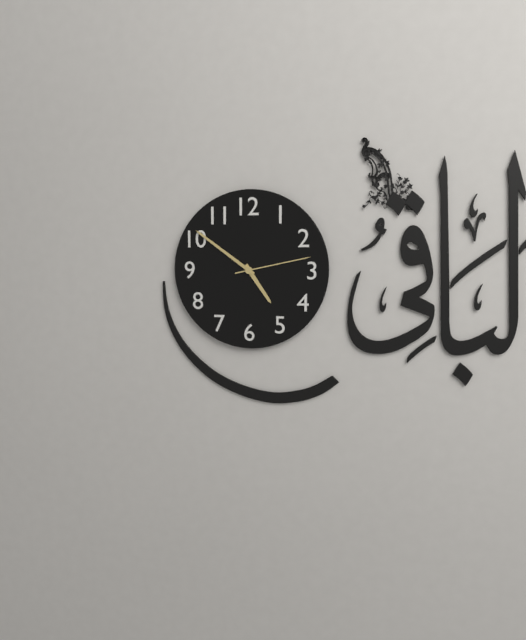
**4:51:13**
